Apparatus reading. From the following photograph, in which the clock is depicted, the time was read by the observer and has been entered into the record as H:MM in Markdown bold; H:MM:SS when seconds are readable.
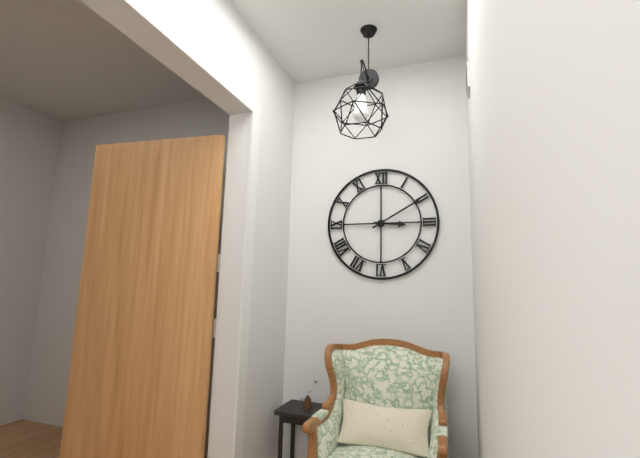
**3:10**
